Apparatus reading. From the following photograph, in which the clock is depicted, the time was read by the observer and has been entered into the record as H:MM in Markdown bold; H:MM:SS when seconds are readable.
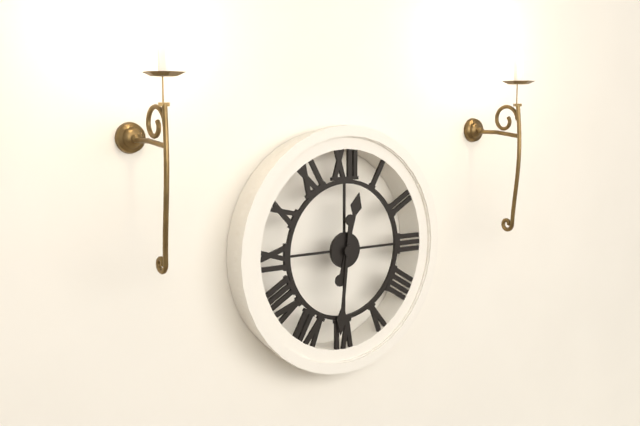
**12:31**
